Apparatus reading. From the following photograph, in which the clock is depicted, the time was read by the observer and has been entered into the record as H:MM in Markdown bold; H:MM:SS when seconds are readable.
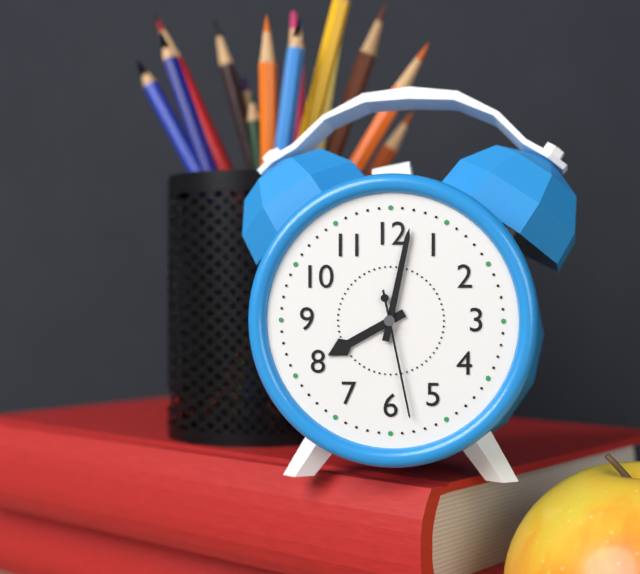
**8:02:28**
